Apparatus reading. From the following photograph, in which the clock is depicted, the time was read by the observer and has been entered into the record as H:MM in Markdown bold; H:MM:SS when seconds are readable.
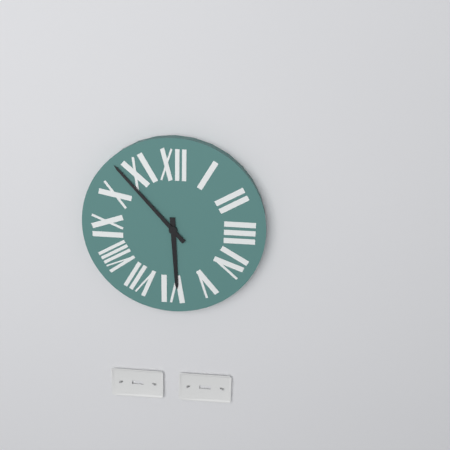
**5:53**
